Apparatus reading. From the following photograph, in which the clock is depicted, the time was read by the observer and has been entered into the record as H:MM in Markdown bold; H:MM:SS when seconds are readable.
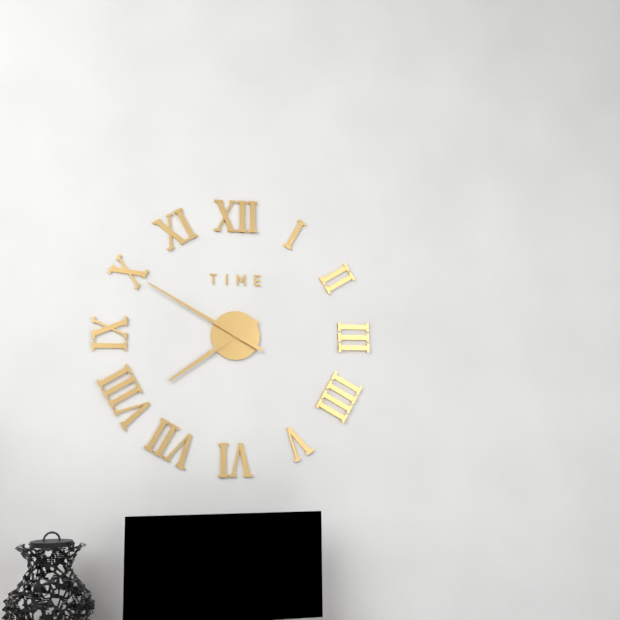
**7:50**
